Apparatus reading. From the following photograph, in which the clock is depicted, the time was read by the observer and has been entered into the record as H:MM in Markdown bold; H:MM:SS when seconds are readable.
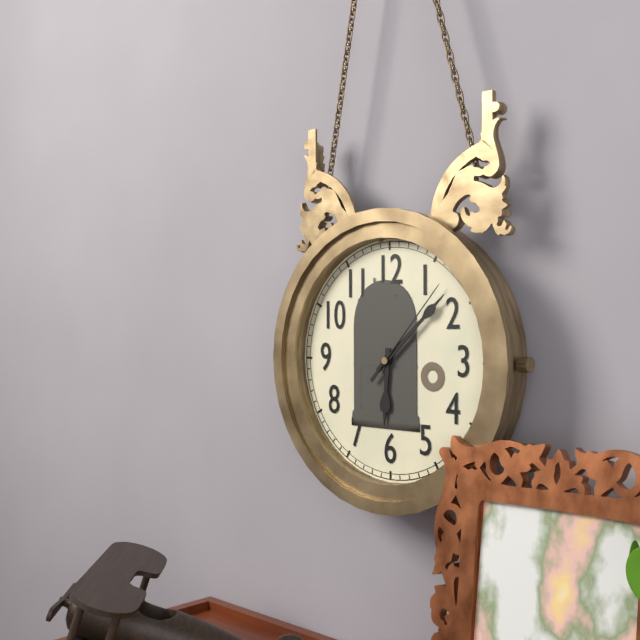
**6:08:07**
